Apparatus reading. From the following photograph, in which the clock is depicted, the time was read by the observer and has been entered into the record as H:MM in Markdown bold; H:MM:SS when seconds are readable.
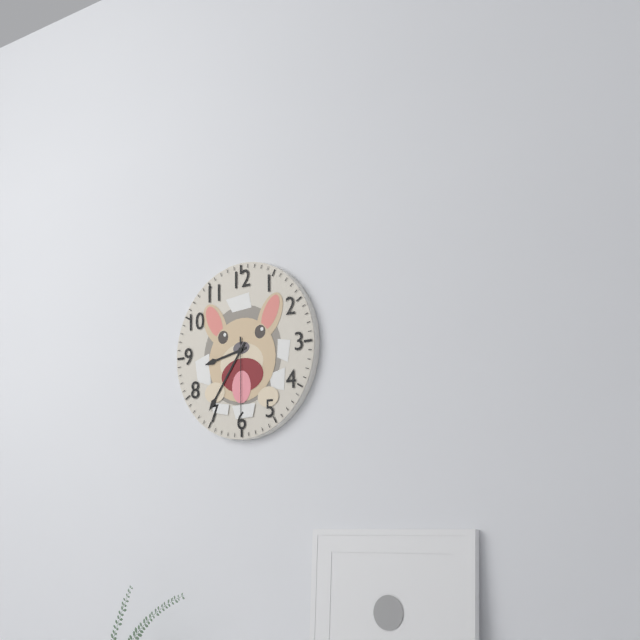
**8:36:30**
